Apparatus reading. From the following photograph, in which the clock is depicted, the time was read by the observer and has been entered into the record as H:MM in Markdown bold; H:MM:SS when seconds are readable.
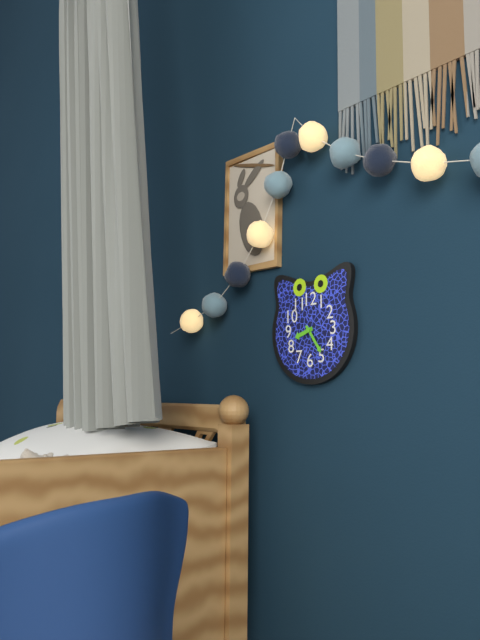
**8:24**
